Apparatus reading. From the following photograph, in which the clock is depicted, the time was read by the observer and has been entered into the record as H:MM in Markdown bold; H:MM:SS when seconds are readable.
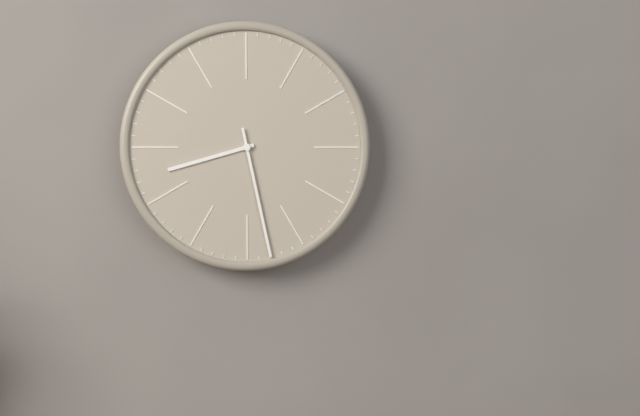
**8:28**
